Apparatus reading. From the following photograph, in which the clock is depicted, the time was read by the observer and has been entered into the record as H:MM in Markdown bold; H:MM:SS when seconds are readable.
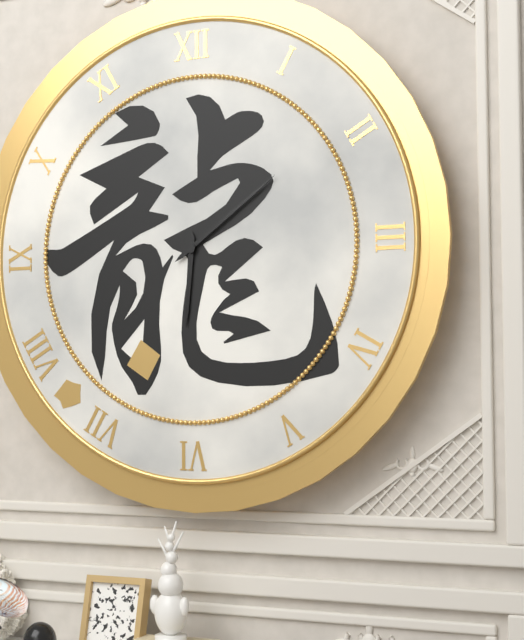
**6:09**
